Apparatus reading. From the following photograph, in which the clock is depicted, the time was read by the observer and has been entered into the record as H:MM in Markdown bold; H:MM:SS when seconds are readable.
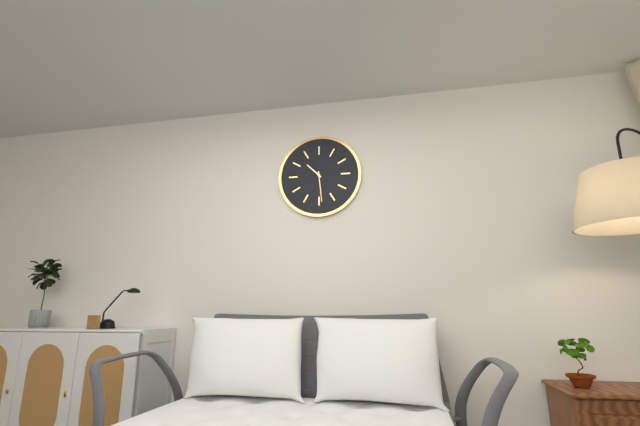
**10:29**
